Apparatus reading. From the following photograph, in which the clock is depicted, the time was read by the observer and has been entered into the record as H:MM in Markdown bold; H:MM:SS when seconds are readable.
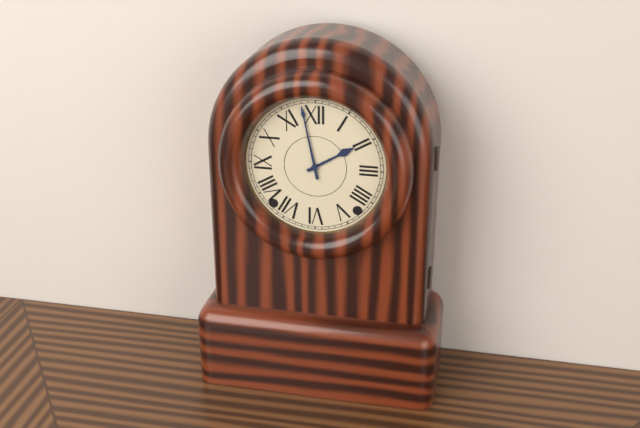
**1:58**
